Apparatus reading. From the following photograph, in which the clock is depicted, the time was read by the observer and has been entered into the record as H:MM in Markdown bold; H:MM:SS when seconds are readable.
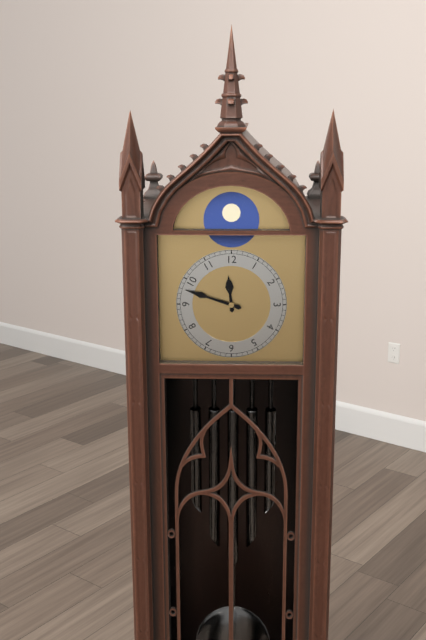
**11:48**
